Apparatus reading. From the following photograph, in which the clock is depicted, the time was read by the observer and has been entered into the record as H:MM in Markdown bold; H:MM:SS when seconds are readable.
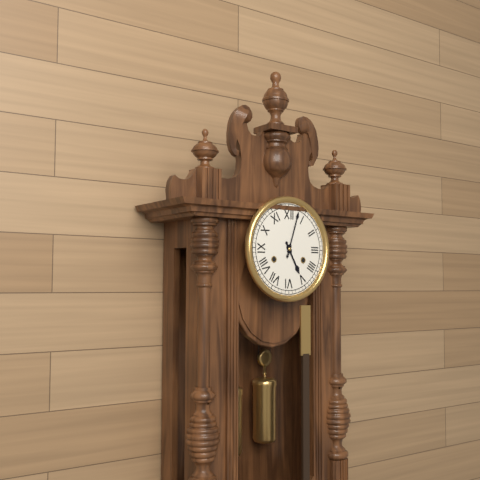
**5:03**
